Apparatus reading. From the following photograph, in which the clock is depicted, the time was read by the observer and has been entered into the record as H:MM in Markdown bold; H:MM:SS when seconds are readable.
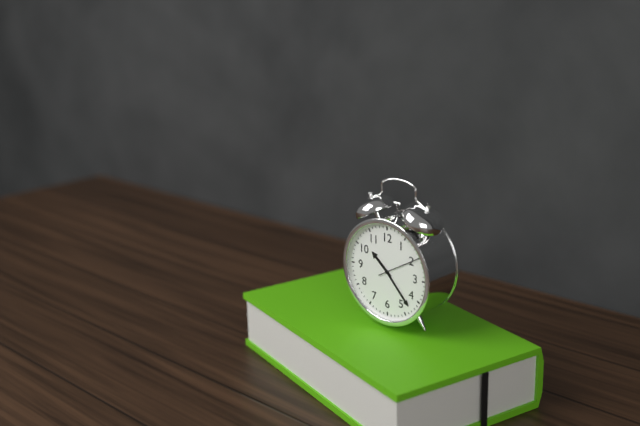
**10:23**
